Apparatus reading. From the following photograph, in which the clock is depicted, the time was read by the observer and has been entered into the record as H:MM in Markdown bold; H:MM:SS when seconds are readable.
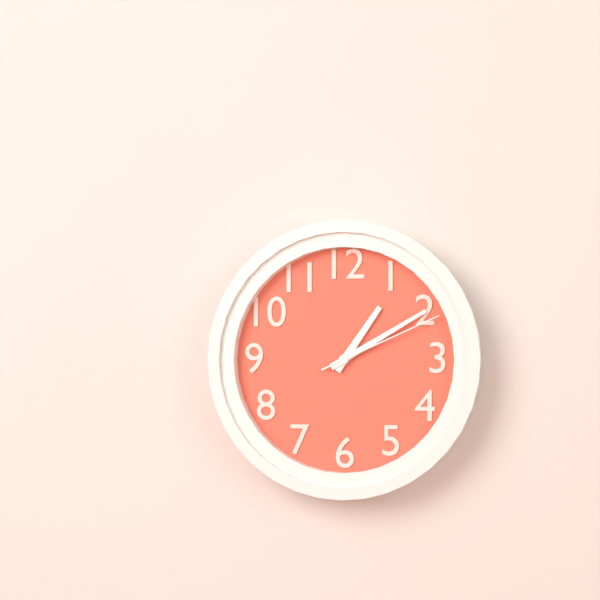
**1:10:11**
